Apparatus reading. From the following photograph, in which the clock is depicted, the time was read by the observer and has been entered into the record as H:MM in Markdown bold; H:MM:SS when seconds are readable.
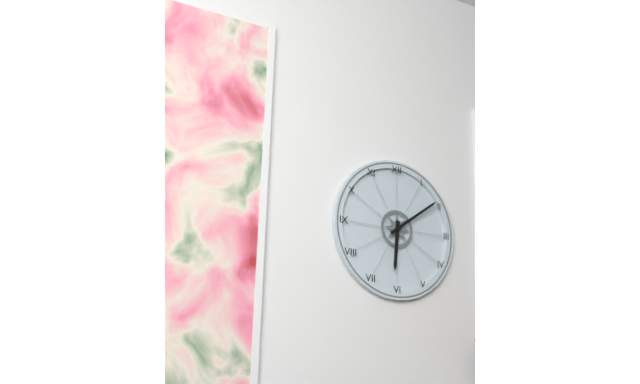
**6:09**
